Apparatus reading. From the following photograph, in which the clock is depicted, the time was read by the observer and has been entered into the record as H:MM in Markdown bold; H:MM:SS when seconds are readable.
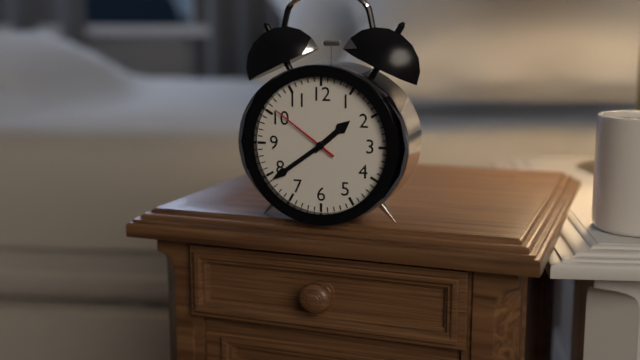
**1:39:51**
